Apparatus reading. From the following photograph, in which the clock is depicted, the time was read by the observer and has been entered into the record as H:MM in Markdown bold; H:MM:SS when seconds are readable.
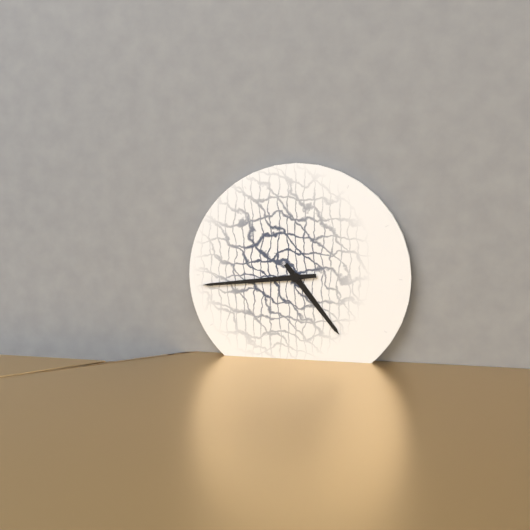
**4:44**
